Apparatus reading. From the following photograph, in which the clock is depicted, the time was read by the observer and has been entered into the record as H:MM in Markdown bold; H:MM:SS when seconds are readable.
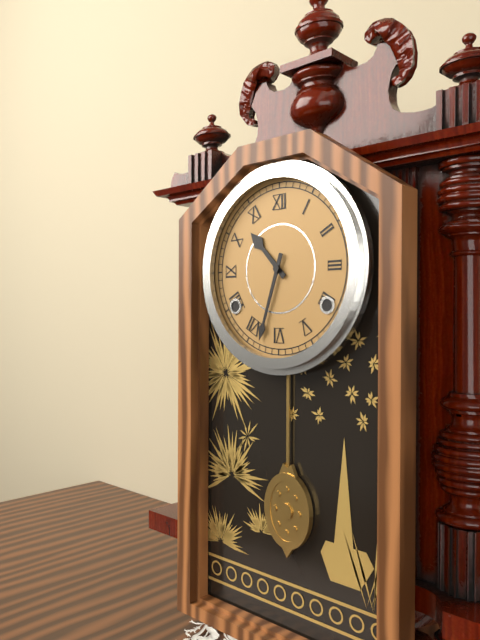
**10:33**
